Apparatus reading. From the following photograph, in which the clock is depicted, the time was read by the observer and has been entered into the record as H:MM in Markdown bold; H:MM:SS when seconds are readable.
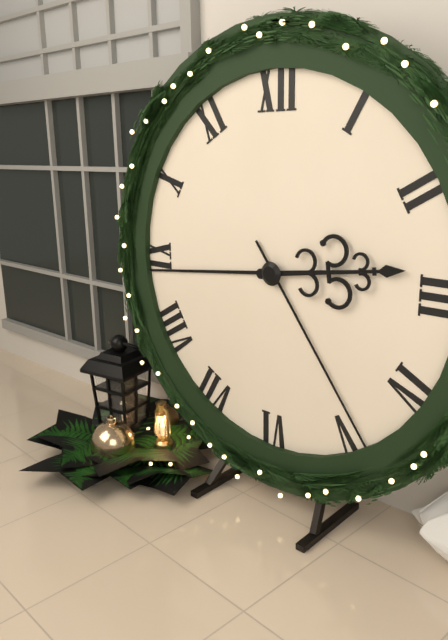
**2:44:24**
